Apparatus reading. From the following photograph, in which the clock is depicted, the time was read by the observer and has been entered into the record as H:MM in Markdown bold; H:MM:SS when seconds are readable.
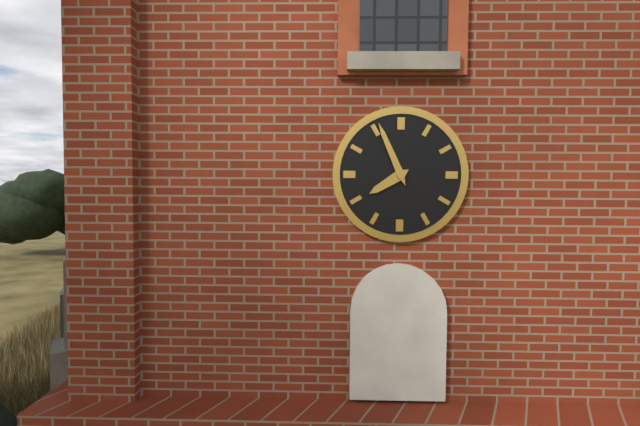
**7:56**
